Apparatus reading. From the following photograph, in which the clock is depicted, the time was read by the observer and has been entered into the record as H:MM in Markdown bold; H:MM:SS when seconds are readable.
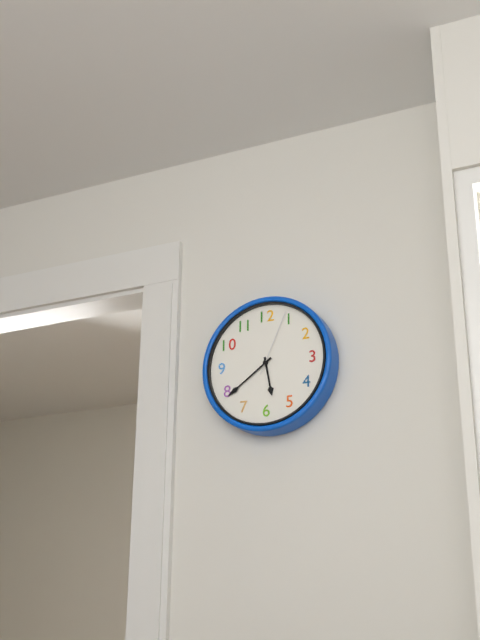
**5:39:04**
